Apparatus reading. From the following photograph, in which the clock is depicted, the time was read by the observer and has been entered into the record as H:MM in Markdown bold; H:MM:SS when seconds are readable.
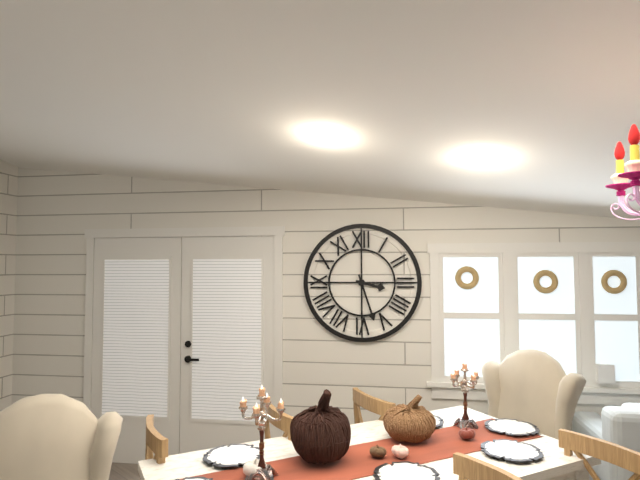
**3:27**
